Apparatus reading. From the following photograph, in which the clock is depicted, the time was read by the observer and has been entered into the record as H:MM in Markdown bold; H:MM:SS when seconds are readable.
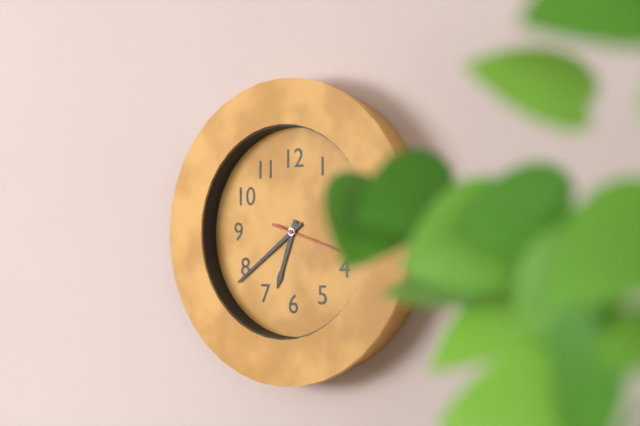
**6:39**
